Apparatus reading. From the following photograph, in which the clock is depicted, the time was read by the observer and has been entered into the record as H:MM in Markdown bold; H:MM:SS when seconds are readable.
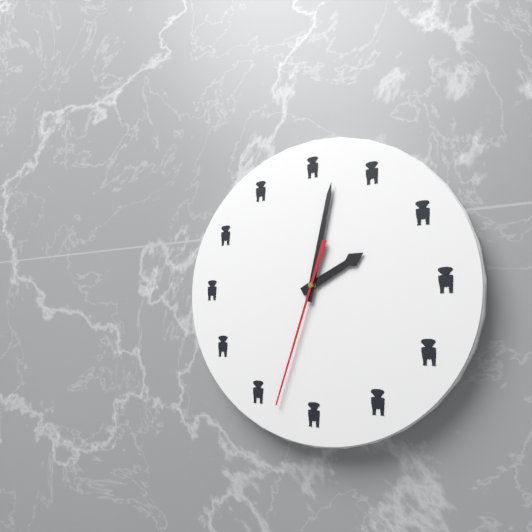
**2:02:33**
